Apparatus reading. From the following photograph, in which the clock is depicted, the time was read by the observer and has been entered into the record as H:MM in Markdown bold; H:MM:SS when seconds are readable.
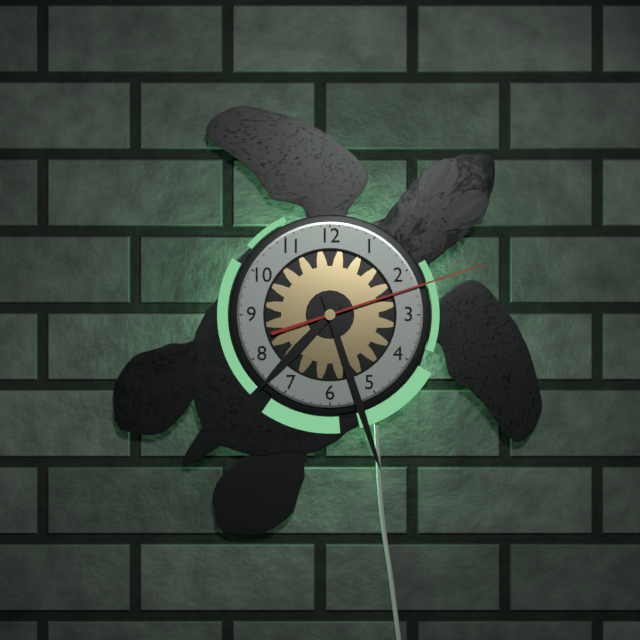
**7:27:12**
